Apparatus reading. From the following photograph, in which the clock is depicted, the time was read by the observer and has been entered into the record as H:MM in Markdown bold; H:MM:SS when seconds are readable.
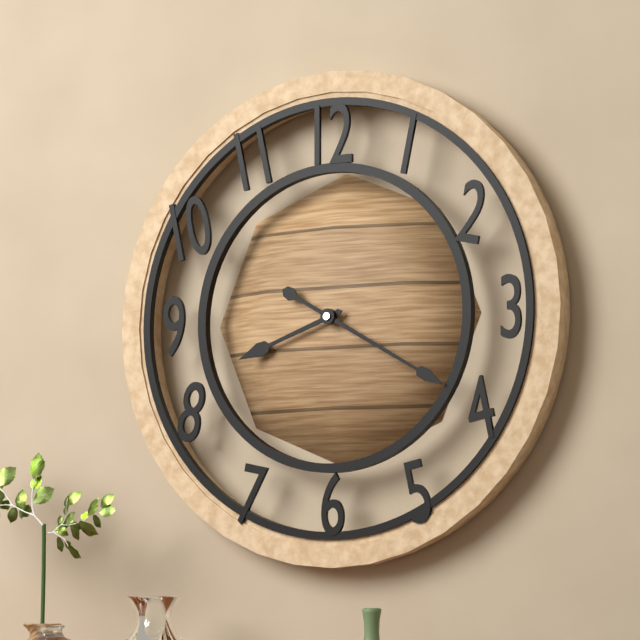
**8:20**
